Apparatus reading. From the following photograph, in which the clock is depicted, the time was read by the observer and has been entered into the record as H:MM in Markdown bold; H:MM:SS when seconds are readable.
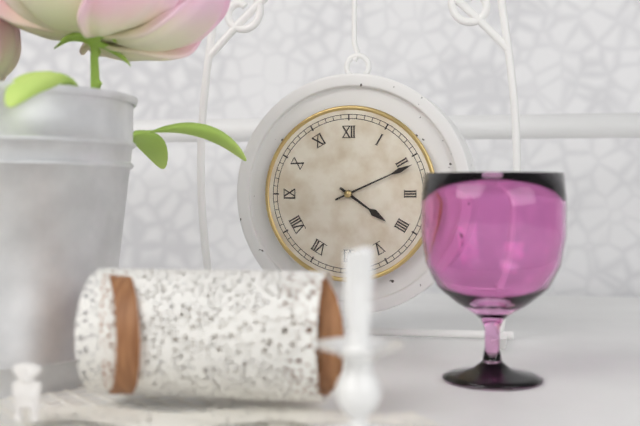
**4:11**
